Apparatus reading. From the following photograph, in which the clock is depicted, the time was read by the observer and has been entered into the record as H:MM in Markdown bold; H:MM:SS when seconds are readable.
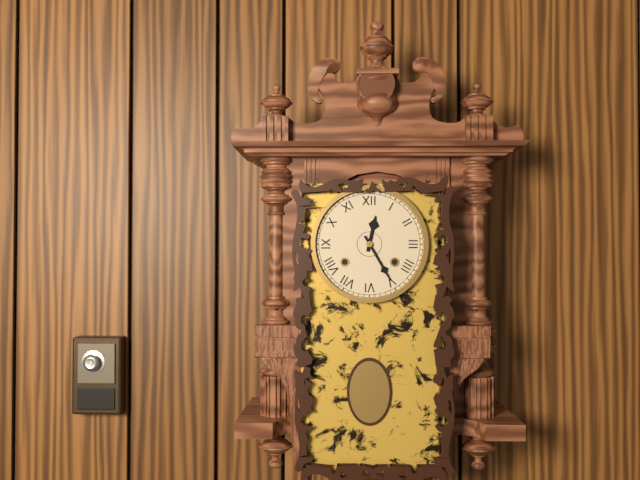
**12:25**
